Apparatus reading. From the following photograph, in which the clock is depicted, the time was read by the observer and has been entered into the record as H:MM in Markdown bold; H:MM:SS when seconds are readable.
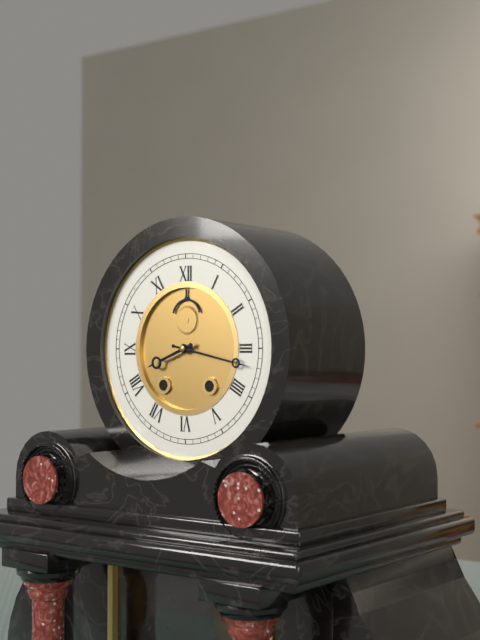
**8:17**
